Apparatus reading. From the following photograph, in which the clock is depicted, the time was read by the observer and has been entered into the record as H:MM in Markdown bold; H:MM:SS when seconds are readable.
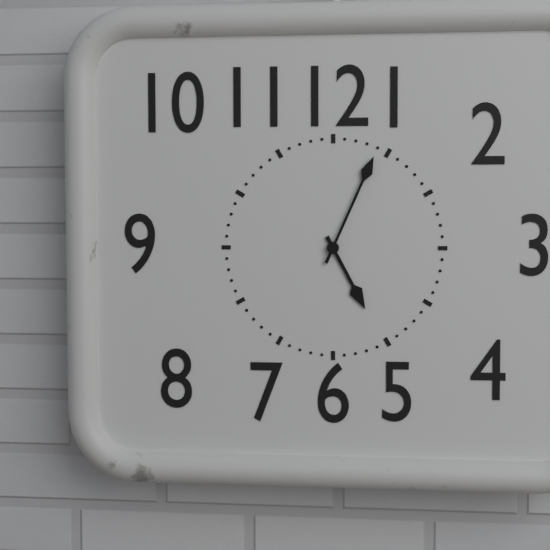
**5:04**
